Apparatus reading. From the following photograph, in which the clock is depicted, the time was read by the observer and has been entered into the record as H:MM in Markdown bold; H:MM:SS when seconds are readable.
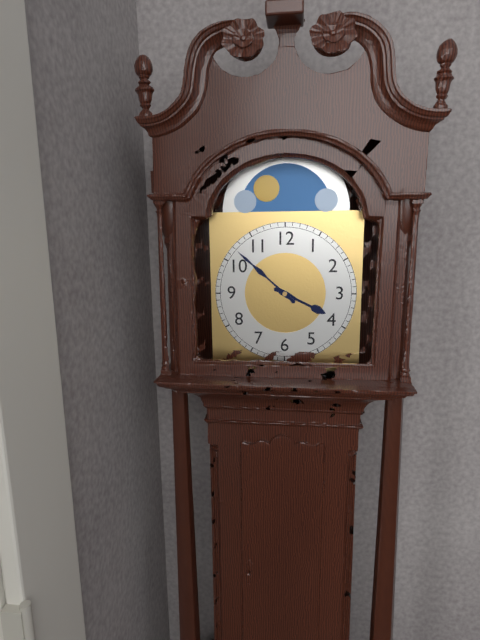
**3:52**
